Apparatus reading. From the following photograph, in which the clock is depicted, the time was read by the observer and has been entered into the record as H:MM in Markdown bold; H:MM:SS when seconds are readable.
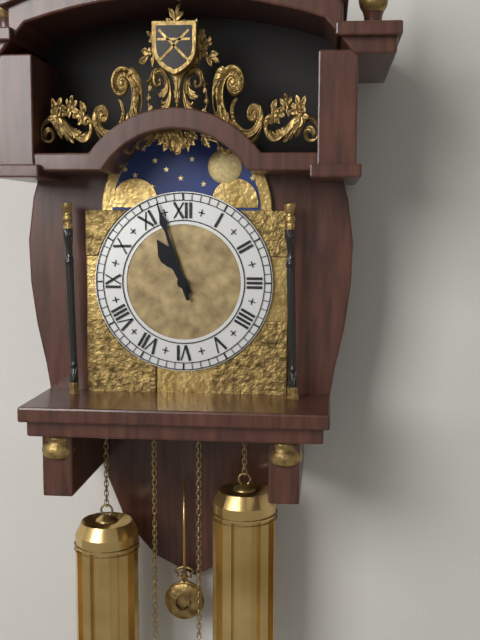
**10:57**
